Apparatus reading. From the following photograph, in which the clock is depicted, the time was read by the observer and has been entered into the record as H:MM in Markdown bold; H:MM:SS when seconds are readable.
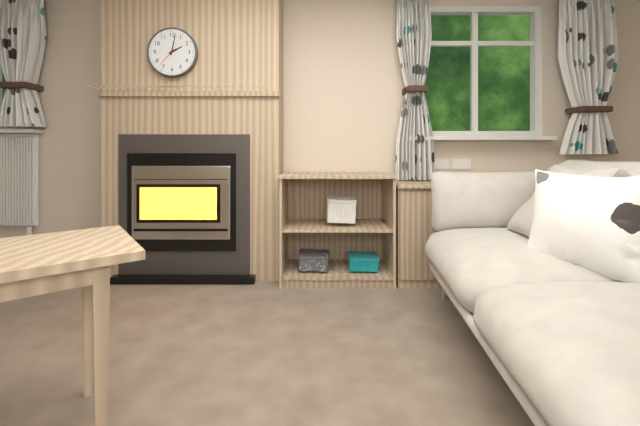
**2:02**
